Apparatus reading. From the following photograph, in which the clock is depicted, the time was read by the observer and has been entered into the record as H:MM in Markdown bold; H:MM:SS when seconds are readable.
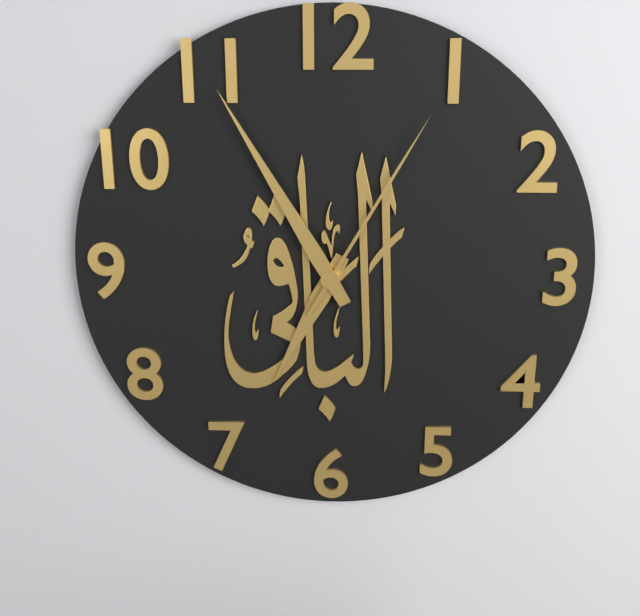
**6:55:05**
